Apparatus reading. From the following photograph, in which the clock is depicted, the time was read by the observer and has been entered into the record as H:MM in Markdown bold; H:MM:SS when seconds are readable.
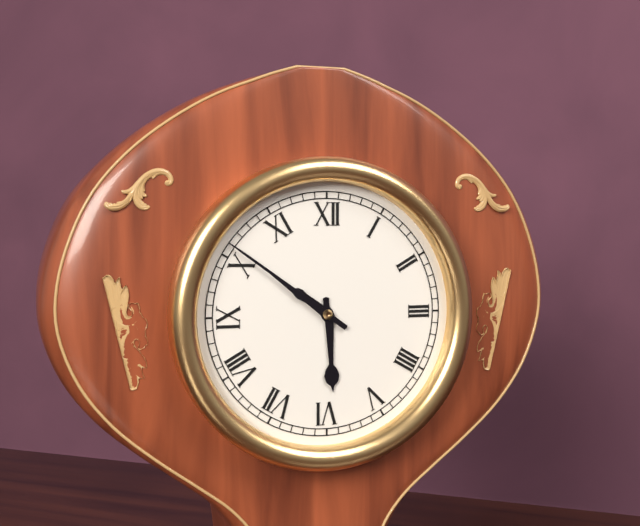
**5:51**
